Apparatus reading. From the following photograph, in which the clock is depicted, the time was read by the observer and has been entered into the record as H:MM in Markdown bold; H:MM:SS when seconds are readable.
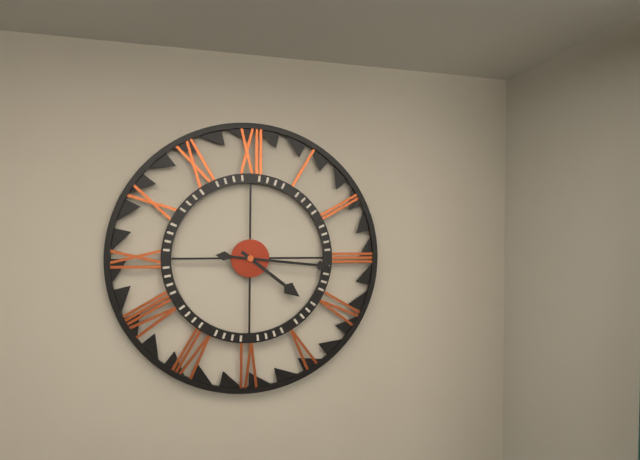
**4:16**
